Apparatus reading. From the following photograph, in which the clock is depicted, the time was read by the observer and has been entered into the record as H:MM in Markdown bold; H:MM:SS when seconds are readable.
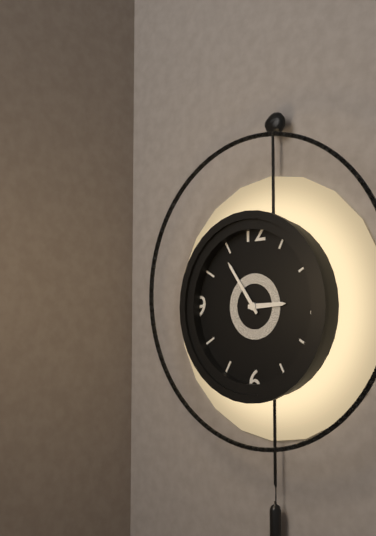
**2:54**
